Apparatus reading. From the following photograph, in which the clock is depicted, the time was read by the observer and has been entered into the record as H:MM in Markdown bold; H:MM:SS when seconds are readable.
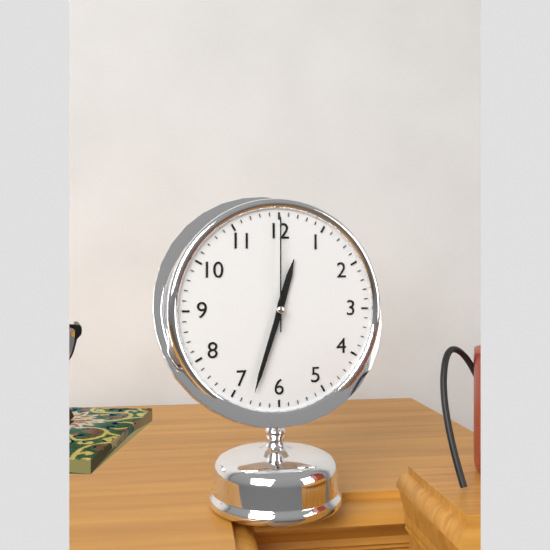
**12:33:00**
